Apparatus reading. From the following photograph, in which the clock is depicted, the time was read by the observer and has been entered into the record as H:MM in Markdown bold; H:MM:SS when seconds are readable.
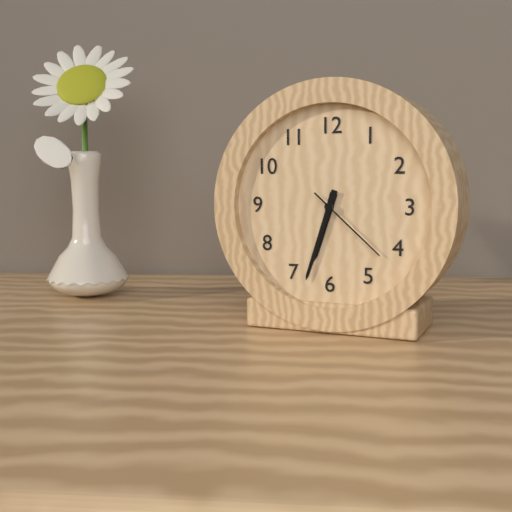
**6:33:22**
